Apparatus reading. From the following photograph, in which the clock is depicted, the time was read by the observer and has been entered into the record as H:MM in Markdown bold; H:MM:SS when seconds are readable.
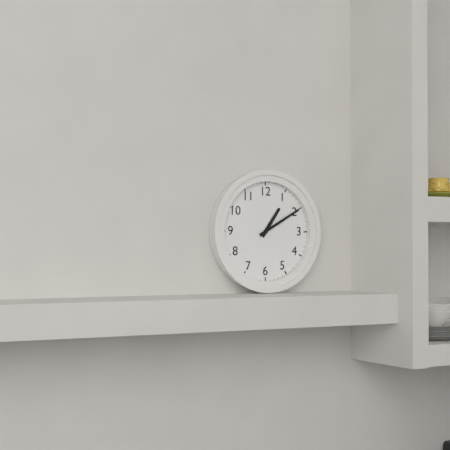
**1:10**
